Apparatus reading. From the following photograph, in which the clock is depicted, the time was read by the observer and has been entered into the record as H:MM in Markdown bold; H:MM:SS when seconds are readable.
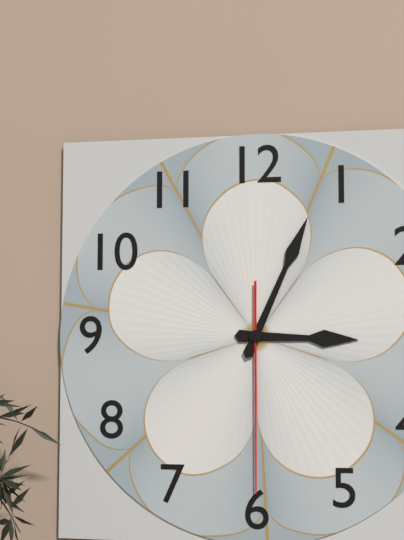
**3:04:30**
